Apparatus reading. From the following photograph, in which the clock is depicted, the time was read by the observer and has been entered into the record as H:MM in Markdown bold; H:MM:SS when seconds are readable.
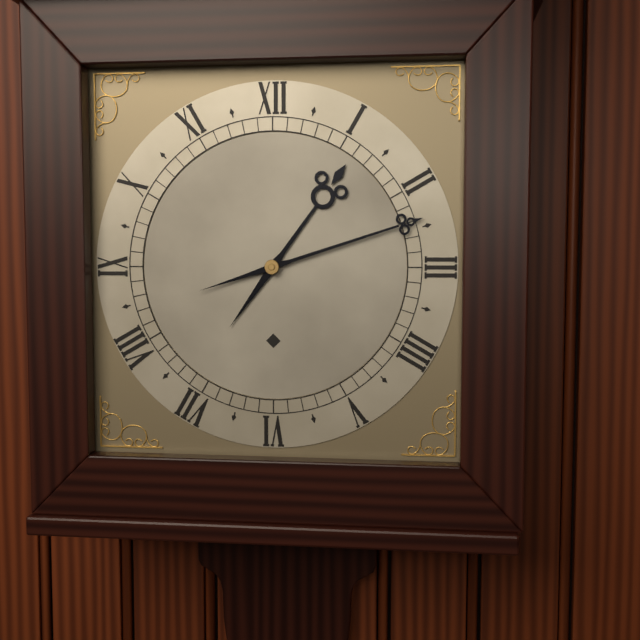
**1:12**
